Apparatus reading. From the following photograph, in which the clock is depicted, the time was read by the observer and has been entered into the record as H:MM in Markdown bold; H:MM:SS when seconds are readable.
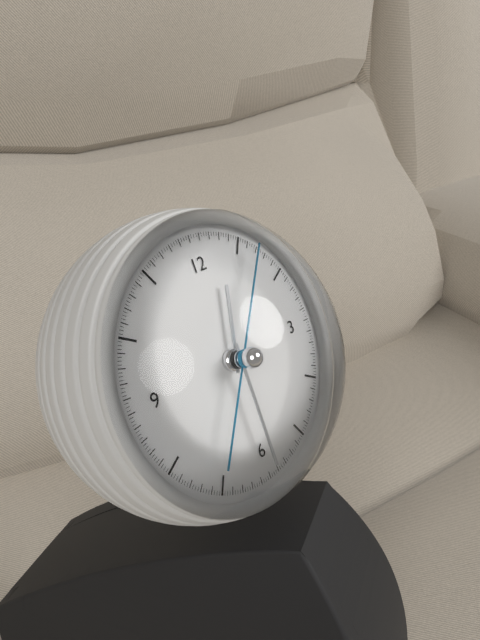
**12:30:06**
